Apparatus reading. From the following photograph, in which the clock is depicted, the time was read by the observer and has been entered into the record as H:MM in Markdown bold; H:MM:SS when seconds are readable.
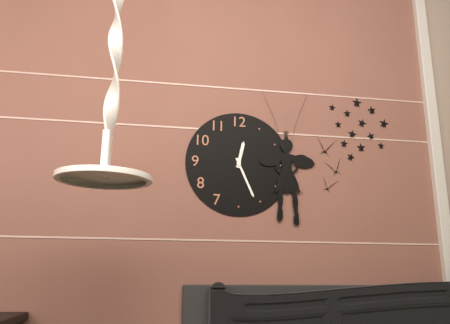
**12:26**
